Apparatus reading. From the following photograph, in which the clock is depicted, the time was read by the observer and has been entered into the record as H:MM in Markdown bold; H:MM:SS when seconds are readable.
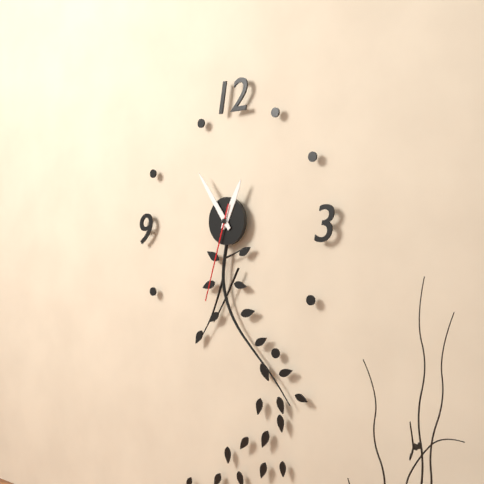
**12:54:33**
